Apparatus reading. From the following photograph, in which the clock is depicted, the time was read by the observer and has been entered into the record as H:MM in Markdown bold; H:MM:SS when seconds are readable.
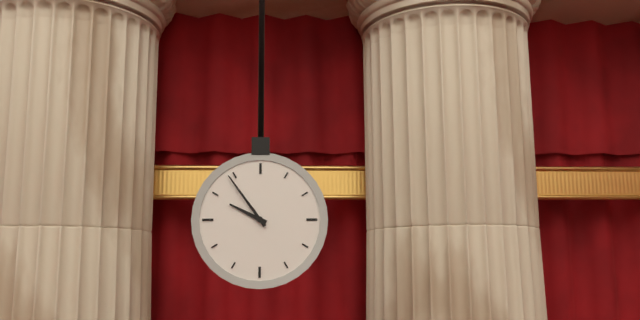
**9:54**
